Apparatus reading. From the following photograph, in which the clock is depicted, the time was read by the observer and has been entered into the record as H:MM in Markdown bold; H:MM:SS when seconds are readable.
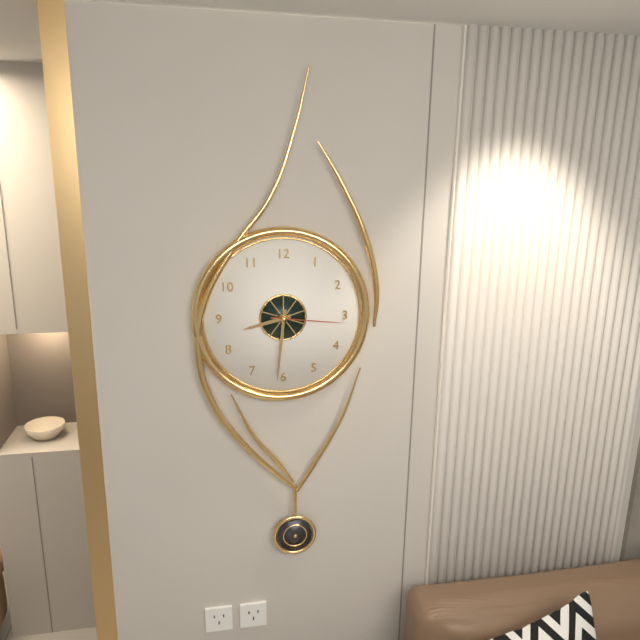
**8:31:16**
